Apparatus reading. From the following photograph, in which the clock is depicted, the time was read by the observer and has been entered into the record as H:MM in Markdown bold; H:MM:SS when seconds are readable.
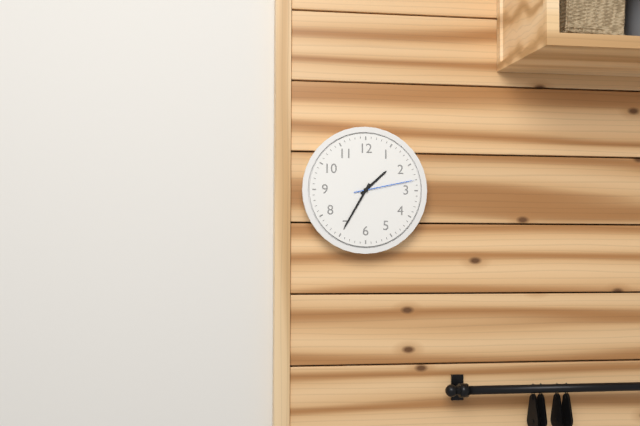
**1:35:13**
